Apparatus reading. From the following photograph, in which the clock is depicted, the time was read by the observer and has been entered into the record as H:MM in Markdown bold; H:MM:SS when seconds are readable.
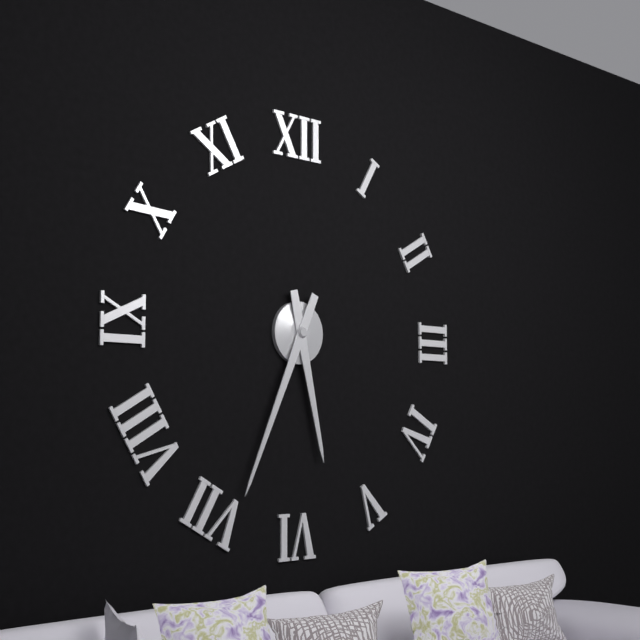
**5:34**
